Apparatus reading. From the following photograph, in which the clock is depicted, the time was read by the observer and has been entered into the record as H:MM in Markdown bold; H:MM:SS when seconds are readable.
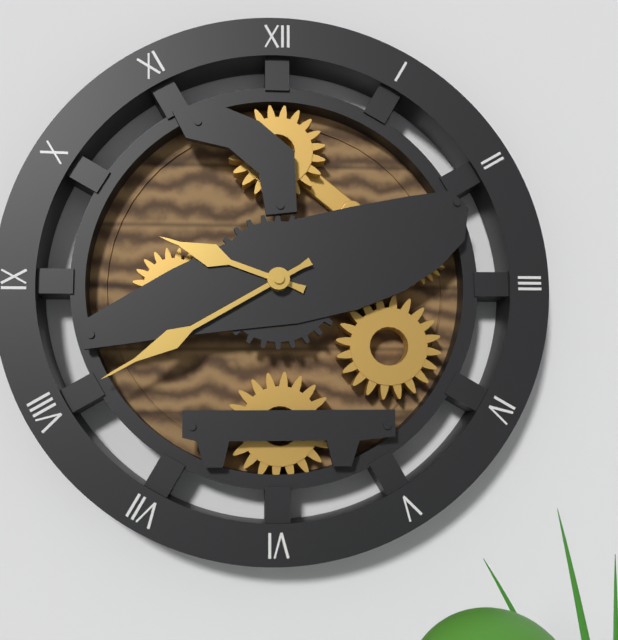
**9:40**
